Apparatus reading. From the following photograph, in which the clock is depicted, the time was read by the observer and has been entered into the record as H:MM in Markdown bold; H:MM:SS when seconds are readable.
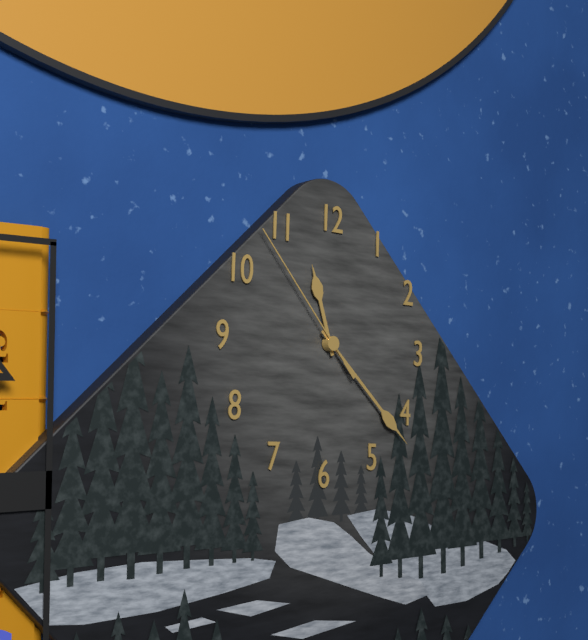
**11:22:53**
